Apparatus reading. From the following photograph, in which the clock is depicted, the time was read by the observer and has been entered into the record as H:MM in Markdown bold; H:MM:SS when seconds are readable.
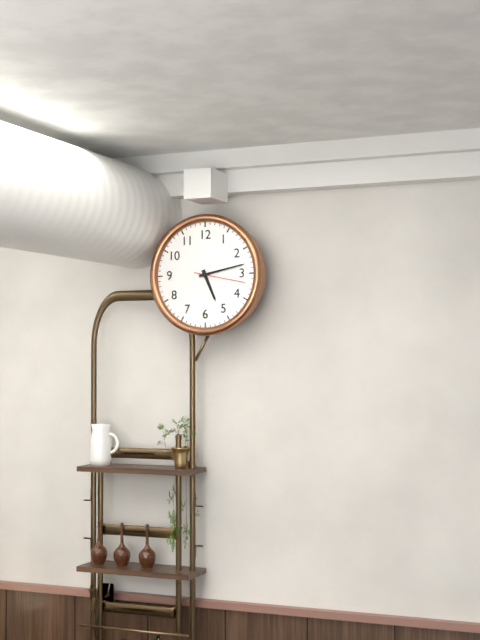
**5:13:17**
